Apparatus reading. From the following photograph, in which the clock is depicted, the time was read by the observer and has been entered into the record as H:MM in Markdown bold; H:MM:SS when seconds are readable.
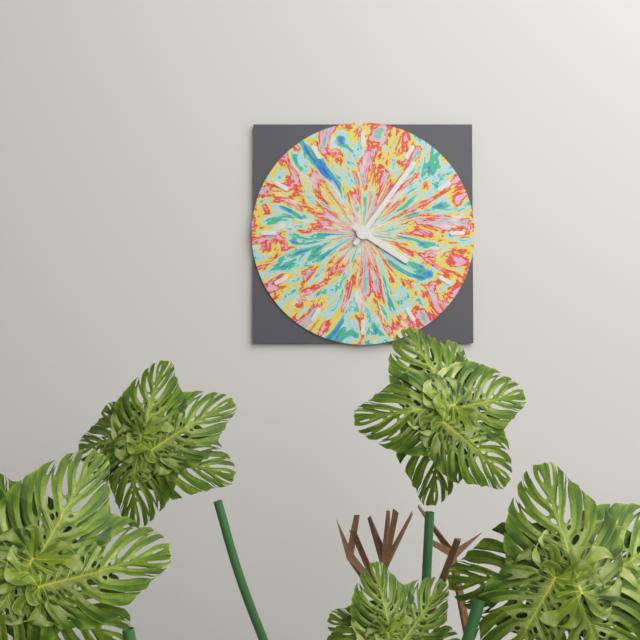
**4:06**
